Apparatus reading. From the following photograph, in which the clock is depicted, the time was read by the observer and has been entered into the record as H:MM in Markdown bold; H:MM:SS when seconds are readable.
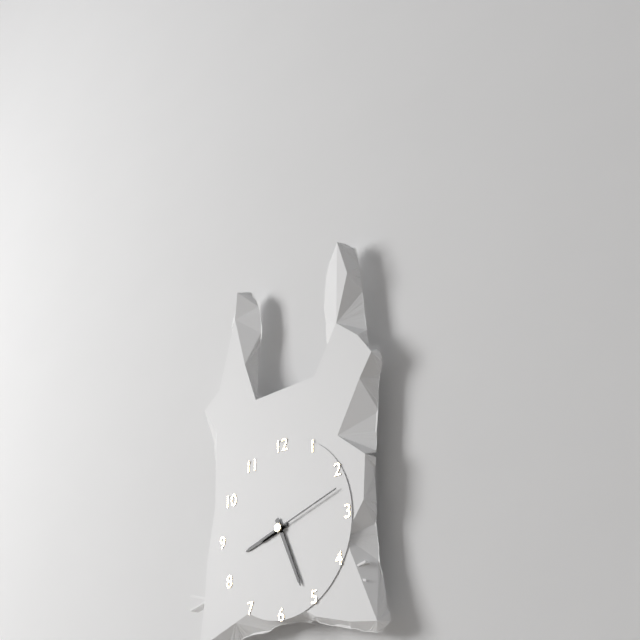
**8:26:12**
